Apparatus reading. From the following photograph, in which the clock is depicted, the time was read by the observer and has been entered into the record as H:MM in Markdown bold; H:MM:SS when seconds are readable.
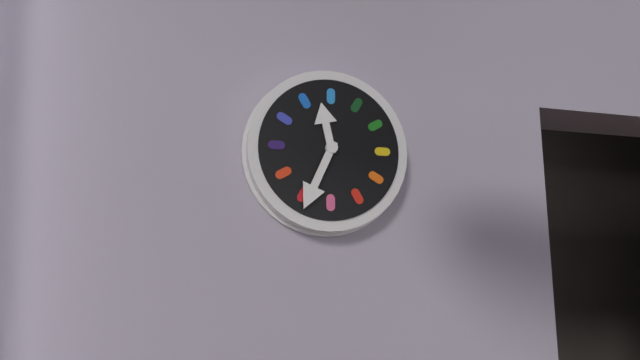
**11:34**
